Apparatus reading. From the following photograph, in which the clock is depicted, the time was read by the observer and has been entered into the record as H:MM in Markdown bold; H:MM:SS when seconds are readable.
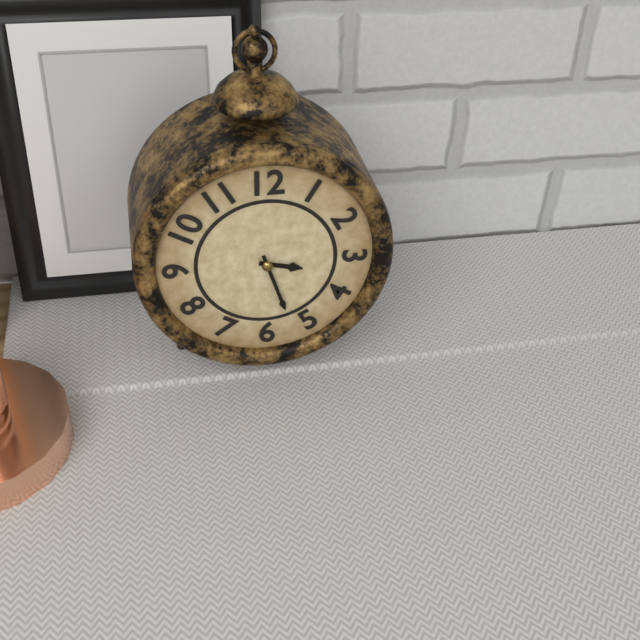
**3:27**
